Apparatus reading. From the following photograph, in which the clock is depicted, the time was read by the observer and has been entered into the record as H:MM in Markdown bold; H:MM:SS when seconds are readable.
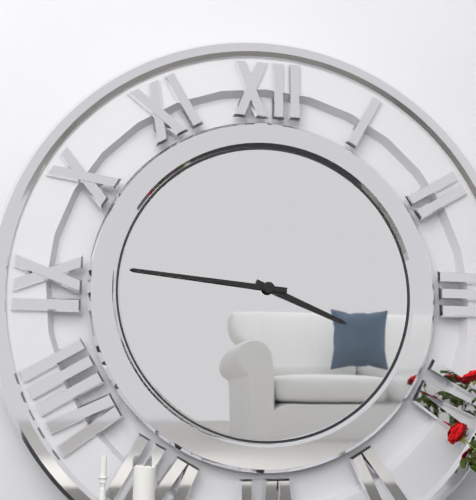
**3:46**
